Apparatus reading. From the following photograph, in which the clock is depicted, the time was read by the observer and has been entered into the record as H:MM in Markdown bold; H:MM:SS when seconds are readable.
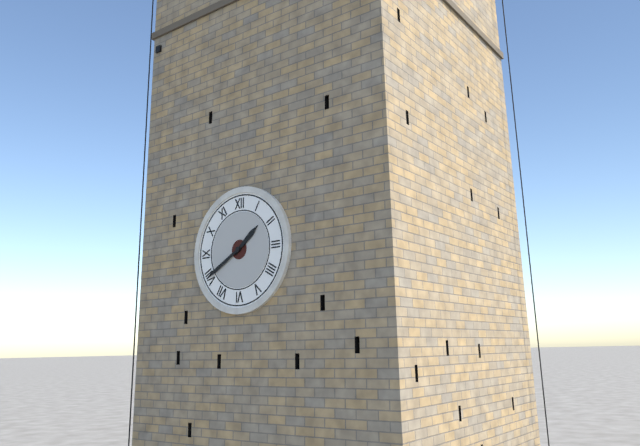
**1:40**
